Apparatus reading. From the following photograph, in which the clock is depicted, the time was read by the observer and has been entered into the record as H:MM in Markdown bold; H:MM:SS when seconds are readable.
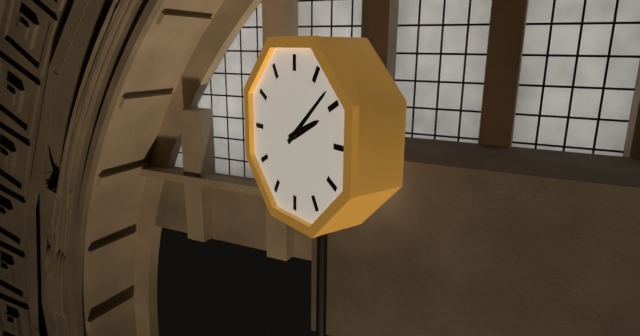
**2:08**
